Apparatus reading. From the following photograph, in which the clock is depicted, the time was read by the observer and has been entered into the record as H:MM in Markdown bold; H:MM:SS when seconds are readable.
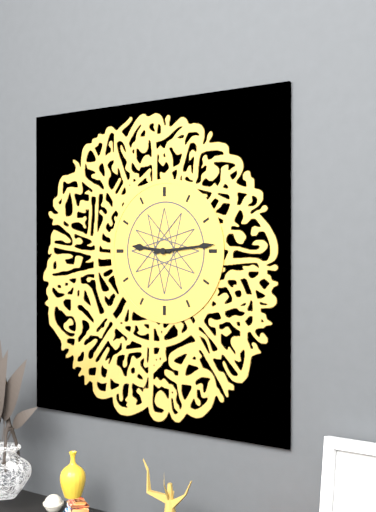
**9:14**
